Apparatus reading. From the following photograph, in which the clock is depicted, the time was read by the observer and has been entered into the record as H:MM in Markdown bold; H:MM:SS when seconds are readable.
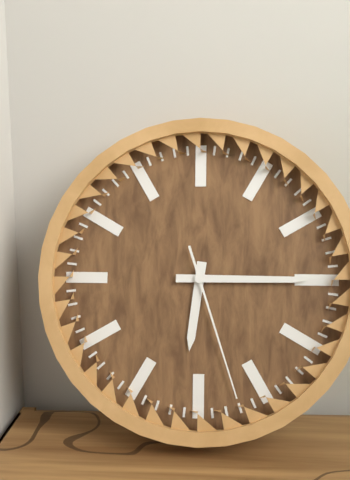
**6:15:27**
